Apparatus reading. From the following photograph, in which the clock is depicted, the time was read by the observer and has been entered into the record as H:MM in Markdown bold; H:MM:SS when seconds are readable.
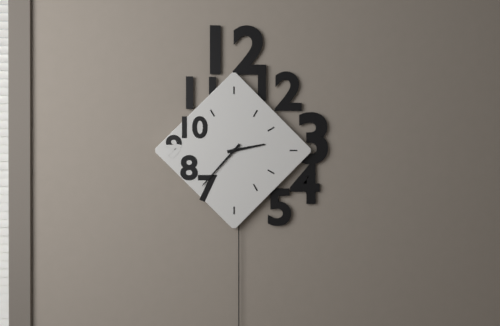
**2:37**
